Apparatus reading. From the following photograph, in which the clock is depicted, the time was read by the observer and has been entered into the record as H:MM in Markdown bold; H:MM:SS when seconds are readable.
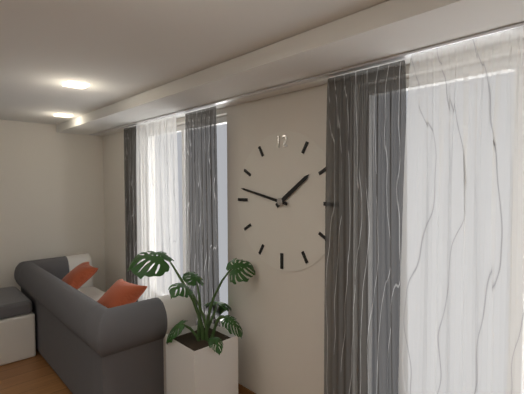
**1:47**
